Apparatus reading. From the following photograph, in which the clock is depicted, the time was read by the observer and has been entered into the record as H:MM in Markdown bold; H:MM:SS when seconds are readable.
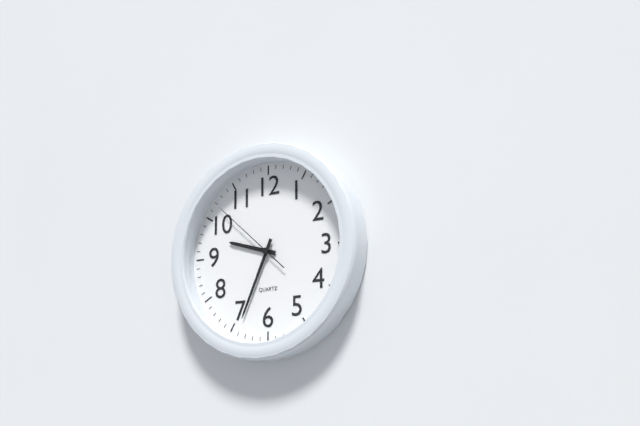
**9:34:52**
